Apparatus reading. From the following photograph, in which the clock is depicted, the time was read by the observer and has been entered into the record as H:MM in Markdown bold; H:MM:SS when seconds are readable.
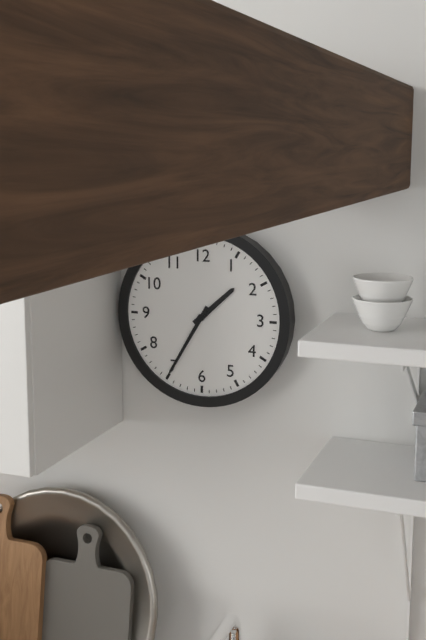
**1:35**
